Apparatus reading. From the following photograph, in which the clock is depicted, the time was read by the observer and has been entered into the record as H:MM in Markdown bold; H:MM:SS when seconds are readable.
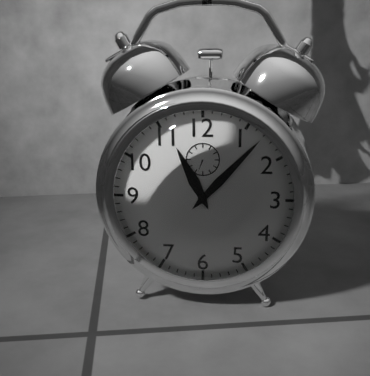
**11:07**
